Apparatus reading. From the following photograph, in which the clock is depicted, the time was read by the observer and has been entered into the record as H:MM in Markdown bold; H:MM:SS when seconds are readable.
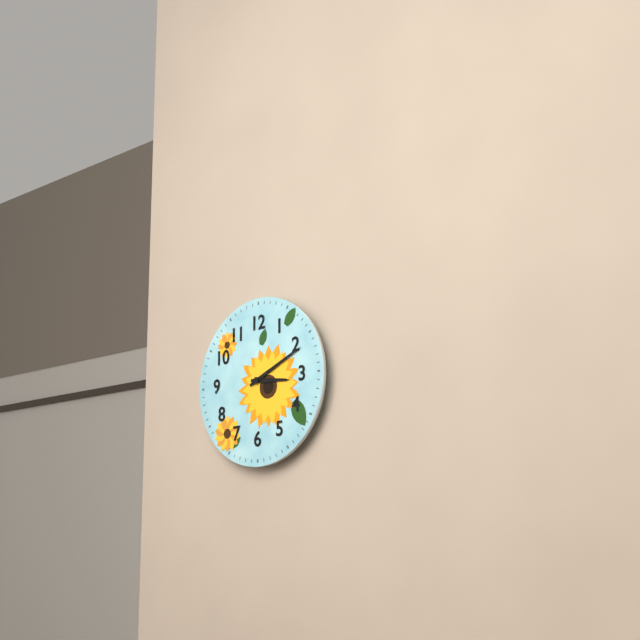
**3:11**
